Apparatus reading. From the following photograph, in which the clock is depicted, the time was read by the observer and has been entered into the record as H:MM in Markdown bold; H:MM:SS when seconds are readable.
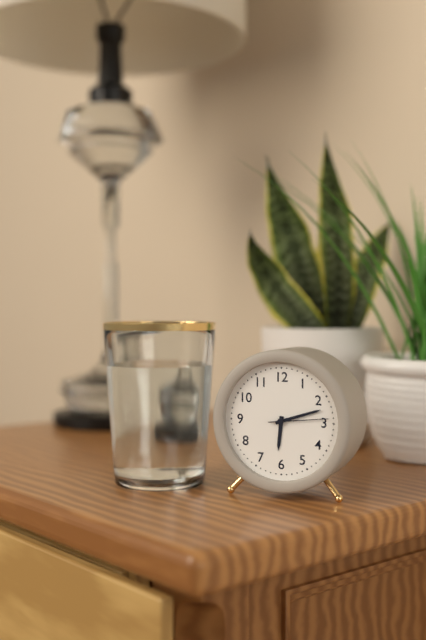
**6:12:14**
